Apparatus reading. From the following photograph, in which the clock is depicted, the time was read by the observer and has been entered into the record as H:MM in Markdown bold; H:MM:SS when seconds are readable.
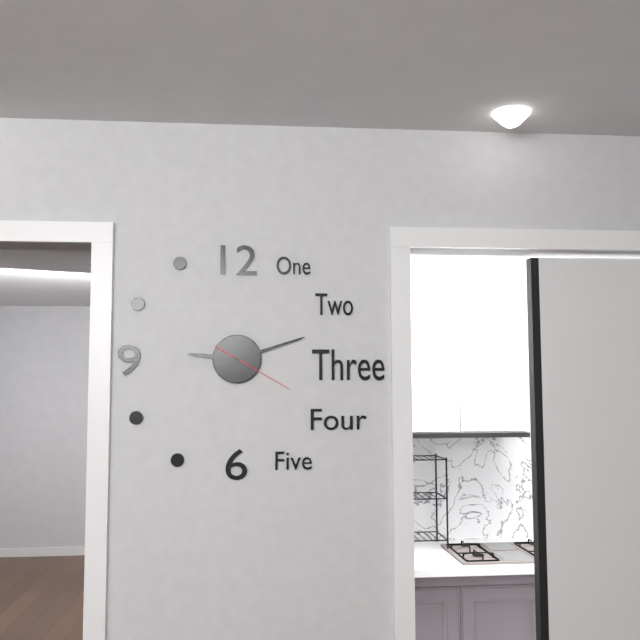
**9:12:20**
